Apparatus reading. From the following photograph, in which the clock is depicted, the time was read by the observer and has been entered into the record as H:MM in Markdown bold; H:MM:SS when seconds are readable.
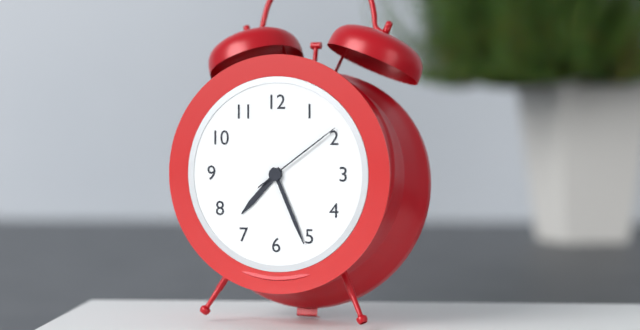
**7:26:09**
